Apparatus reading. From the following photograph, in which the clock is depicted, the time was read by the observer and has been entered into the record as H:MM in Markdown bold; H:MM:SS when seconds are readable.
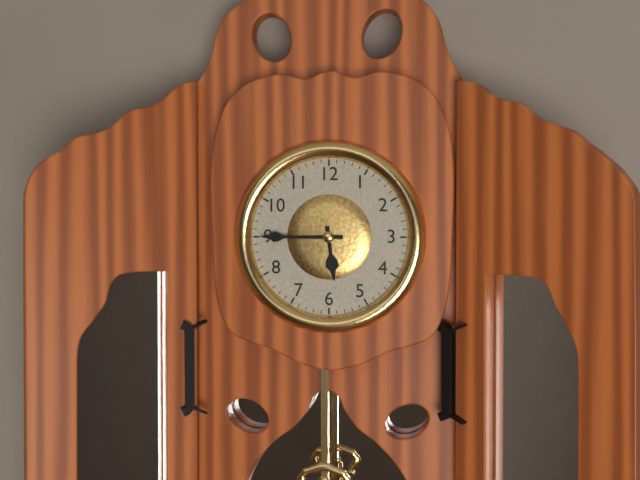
**5:45**
